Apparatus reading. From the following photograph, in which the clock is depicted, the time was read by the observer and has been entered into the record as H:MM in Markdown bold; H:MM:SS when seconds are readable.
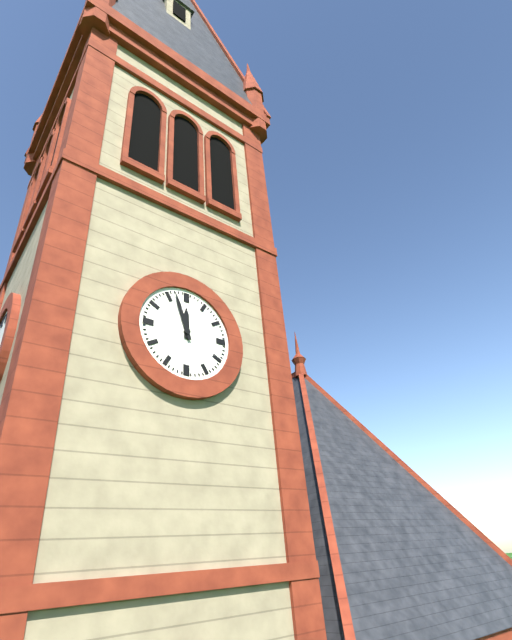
**11:57**
